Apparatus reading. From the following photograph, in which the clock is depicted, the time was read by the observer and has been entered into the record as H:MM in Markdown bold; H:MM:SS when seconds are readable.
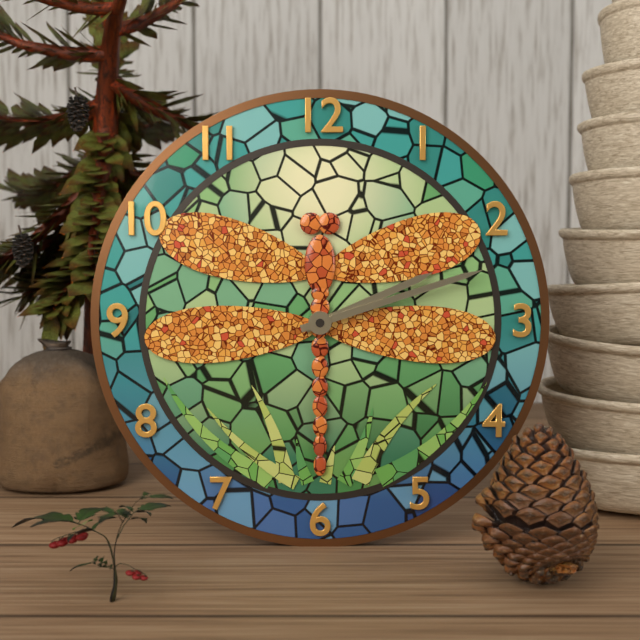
**2:12**
